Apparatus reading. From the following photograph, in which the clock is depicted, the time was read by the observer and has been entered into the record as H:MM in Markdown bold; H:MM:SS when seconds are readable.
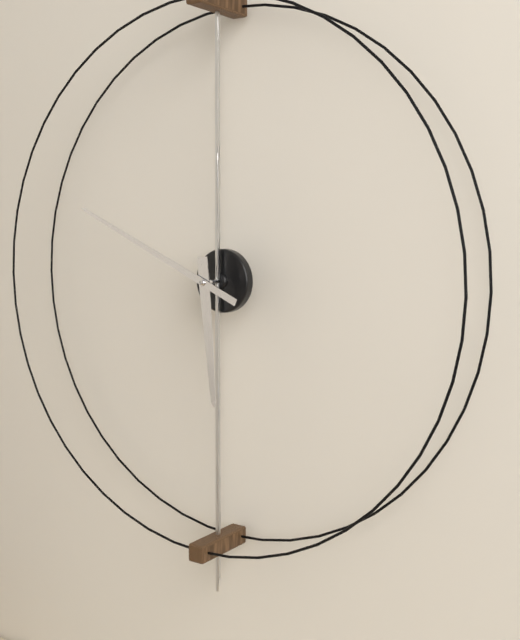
**5:49**
